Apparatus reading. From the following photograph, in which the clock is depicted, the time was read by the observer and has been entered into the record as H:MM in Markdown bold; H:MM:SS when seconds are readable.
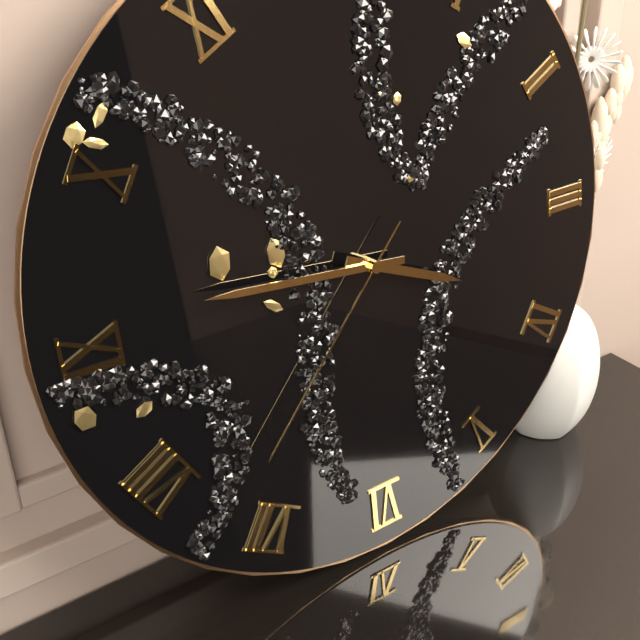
**3:46:37**
